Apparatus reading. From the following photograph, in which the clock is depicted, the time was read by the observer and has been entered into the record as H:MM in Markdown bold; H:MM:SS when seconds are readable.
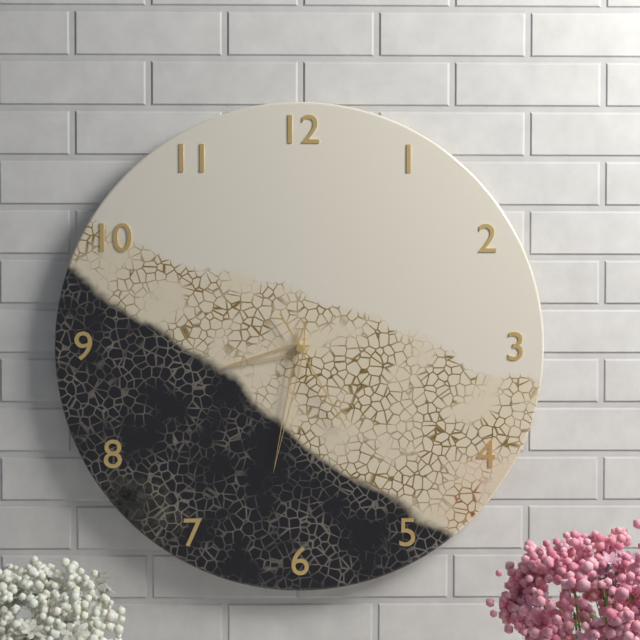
**8:32:25**
